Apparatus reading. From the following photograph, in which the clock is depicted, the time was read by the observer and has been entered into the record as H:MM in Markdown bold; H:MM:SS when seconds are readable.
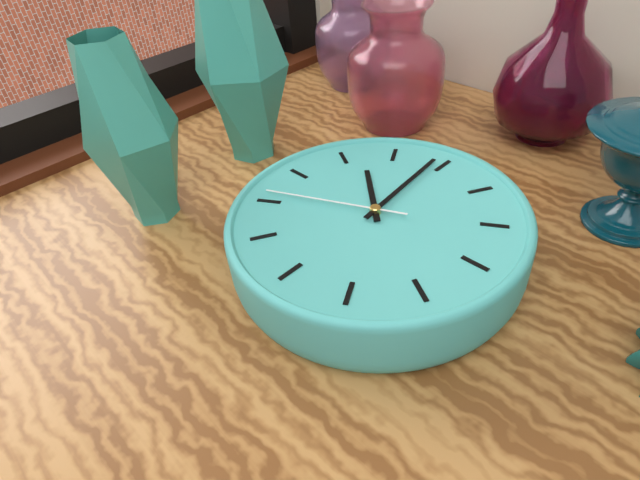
**3:24:06**
